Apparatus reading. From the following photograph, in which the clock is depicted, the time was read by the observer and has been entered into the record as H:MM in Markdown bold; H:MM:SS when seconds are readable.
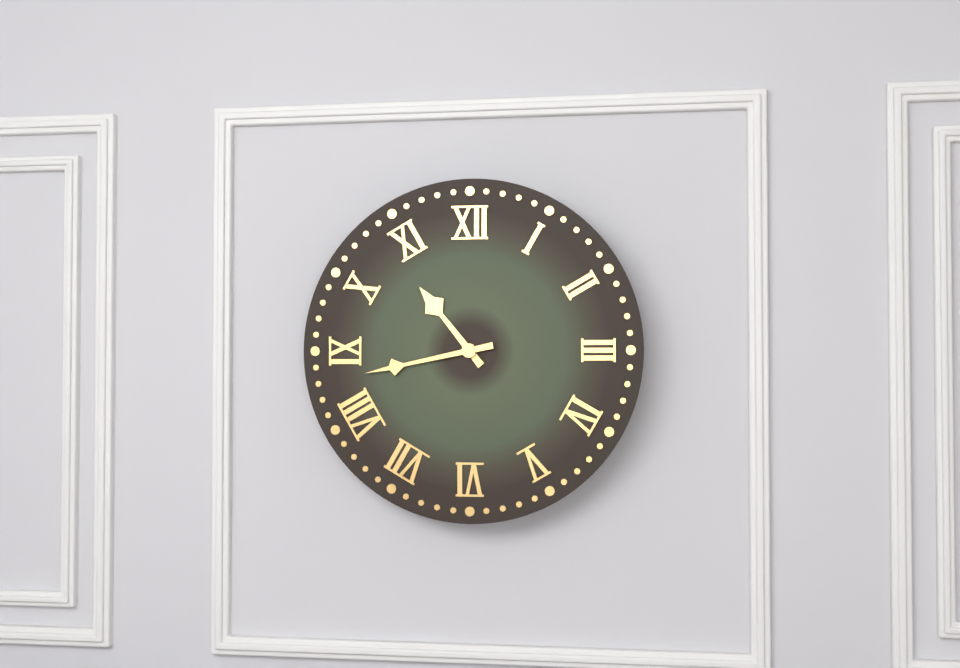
**10:43**
